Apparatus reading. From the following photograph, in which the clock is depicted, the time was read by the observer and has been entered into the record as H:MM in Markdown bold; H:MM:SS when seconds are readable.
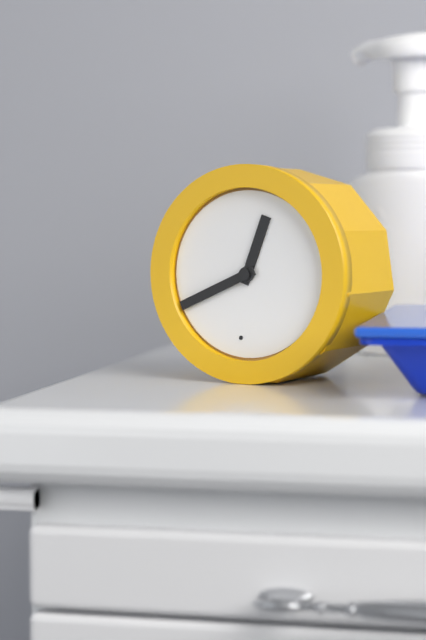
**12:41**
